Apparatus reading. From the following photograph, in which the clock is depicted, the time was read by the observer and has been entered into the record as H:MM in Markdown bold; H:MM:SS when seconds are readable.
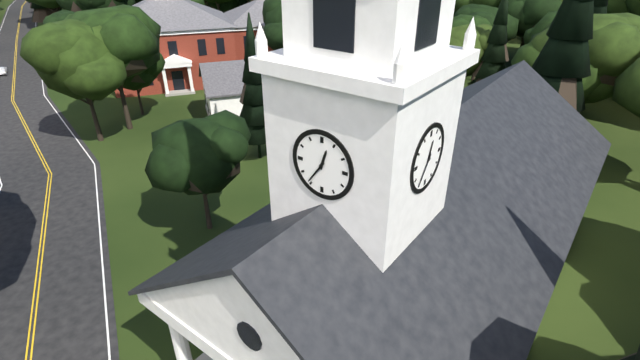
**12:36**
